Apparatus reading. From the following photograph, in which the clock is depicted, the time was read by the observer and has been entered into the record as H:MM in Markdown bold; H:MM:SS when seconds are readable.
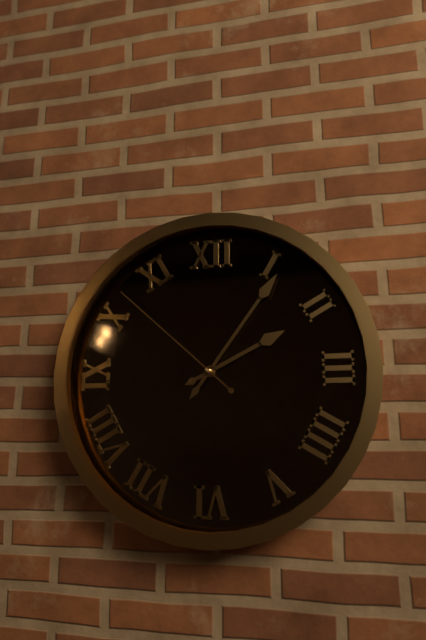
**2:06:52**
